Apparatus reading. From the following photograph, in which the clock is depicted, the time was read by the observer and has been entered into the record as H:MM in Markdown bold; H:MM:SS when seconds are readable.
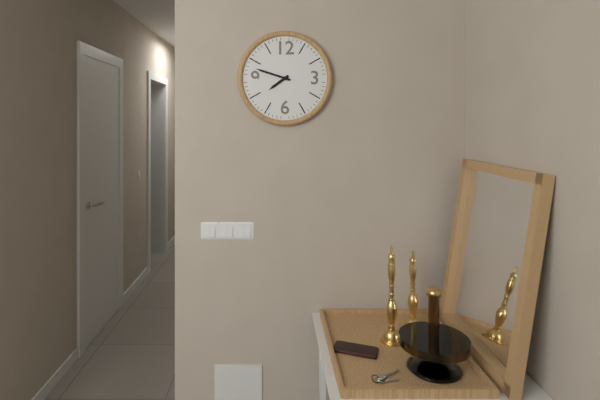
**7:48**
